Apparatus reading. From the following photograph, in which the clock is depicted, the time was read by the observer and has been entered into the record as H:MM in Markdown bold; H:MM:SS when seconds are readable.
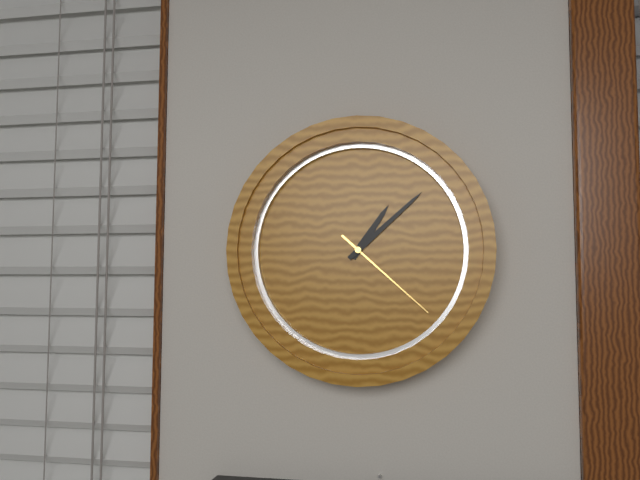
**1:08:22**
